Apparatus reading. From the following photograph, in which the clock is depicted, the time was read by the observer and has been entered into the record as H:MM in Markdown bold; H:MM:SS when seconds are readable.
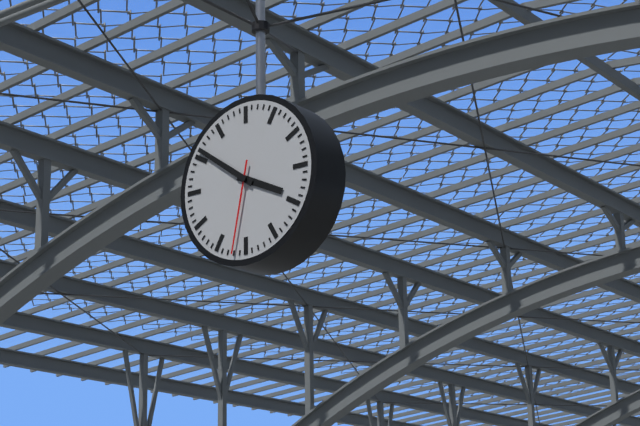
**3:51:32**
